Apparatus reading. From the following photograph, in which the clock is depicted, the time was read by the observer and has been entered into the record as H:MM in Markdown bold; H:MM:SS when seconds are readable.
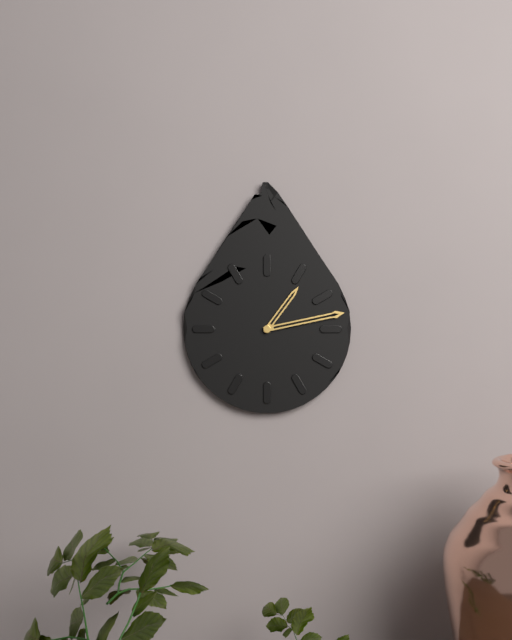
**1:13**
